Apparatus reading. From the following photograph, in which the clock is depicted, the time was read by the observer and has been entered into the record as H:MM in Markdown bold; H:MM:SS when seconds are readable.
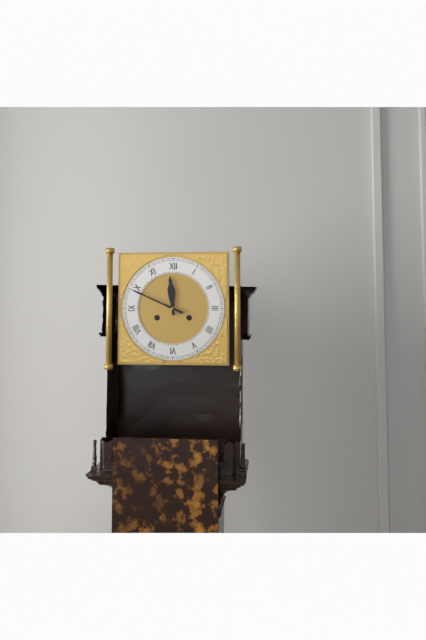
**11:49**
